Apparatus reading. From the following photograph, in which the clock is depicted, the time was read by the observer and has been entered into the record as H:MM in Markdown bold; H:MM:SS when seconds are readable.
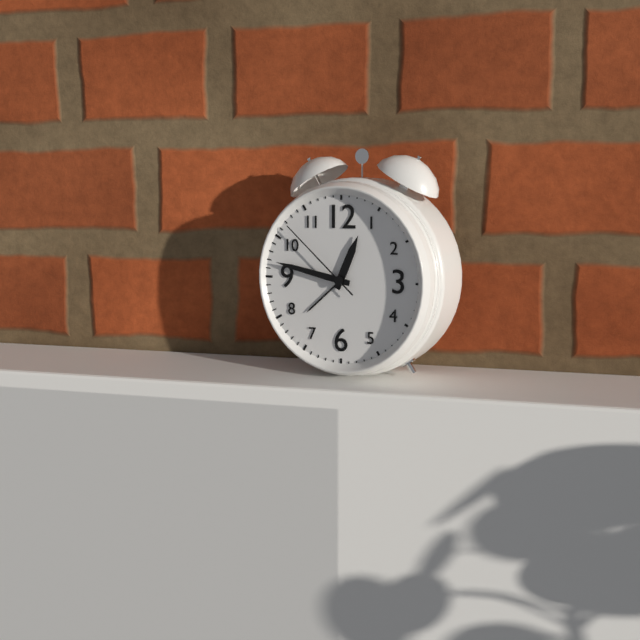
**12:47:52**
